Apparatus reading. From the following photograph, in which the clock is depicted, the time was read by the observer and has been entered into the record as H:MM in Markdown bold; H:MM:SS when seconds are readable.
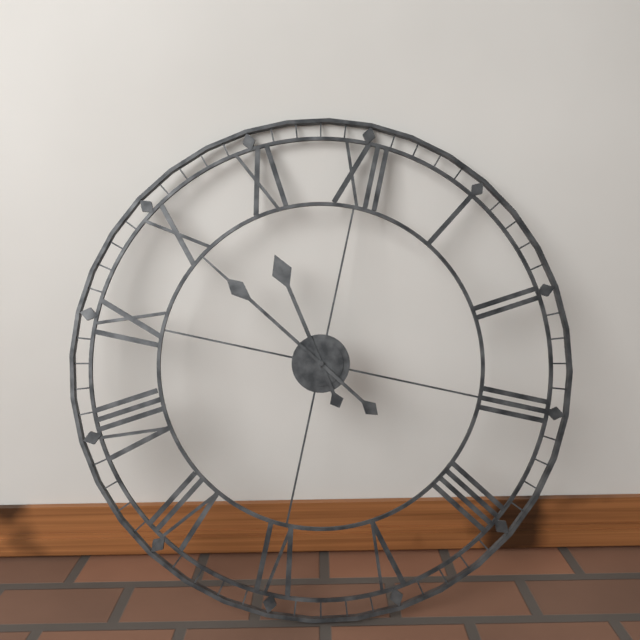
**10:50**
